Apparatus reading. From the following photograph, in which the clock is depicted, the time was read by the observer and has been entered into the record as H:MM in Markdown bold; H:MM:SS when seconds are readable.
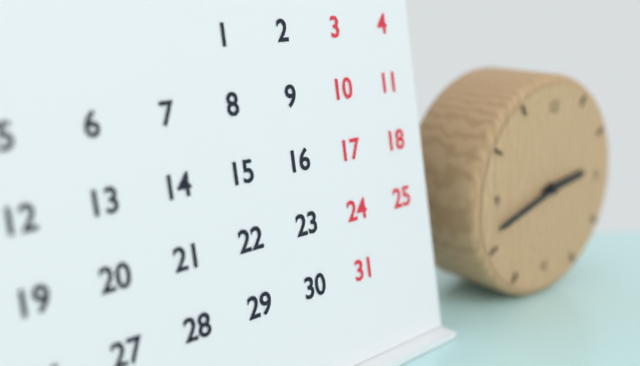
**2:42**
